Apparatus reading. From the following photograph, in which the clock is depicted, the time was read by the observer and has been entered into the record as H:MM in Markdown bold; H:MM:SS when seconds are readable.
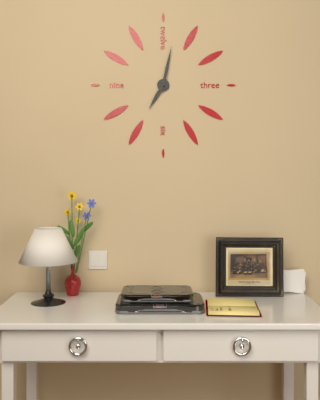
**7:02**
